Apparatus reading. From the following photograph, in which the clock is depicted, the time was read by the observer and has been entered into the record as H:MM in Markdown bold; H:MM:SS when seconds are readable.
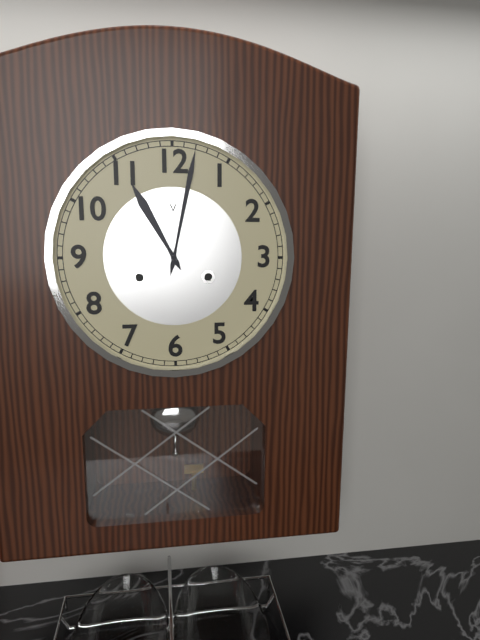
**11:02**
